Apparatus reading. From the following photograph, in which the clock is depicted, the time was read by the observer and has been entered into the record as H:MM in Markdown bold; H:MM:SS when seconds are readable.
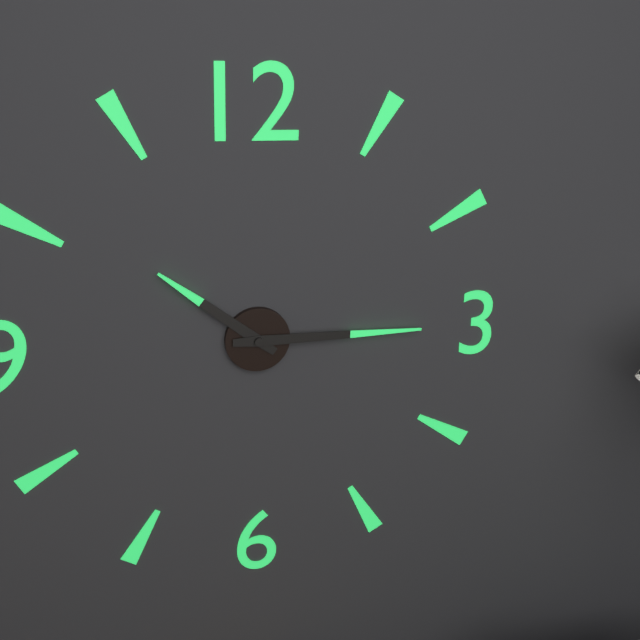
**10:15**
